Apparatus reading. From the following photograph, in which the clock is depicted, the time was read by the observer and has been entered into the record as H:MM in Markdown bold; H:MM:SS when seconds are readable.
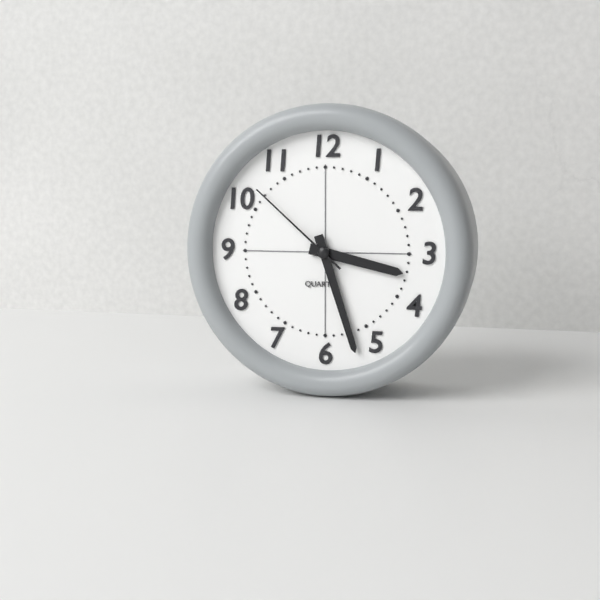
**3:27:52**
